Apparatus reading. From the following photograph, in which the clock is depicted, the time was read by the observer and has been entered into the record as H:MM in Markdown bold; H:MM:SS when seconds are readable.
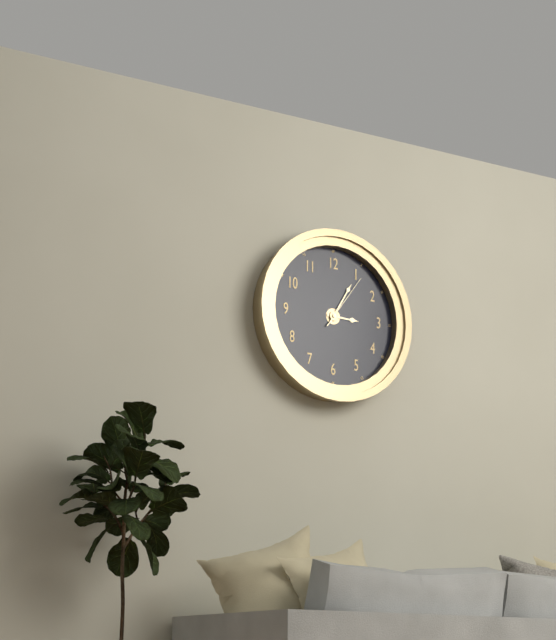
**3:05:06**
